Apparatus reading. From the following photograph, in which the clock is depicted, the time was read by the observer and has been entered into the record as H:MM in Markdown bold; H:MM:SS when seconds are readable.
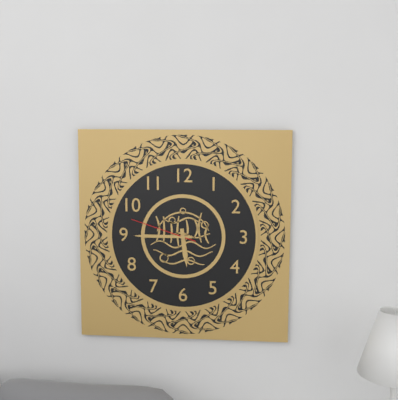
**5:45:48**
